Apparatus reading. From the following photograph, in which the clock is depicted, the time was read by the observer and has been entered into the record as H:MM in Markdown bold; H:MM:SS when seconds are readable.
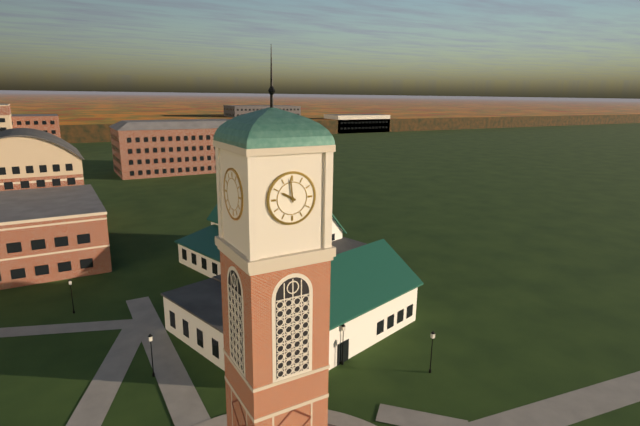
**9:59**
